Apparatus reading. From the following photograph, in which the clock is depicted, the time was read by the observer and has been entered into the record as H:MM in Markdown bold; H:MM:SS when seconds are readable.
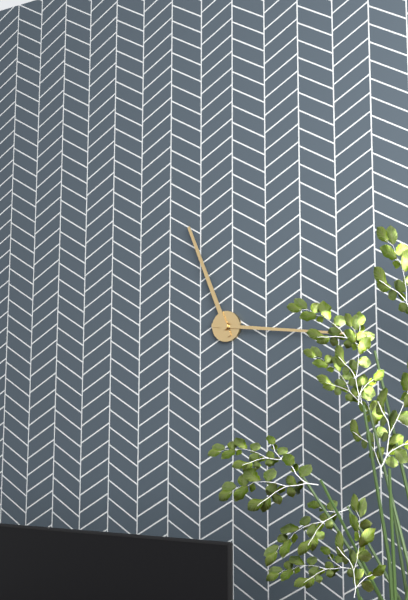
**11:16**
